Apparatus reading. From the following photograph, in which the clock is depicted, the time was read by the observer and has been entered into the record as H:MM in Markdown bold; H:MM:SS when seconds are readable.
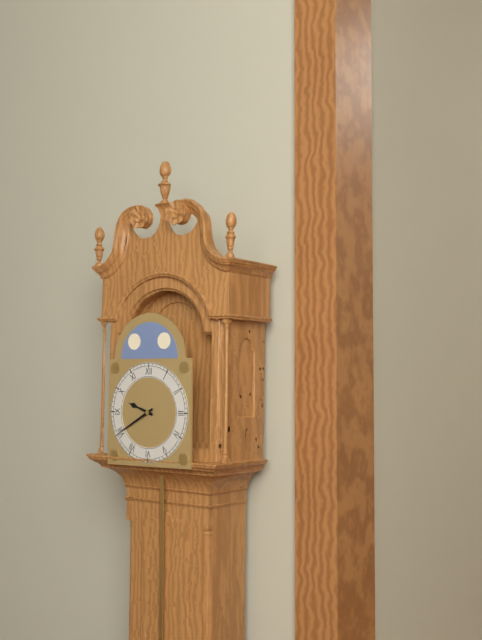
**9:40**
